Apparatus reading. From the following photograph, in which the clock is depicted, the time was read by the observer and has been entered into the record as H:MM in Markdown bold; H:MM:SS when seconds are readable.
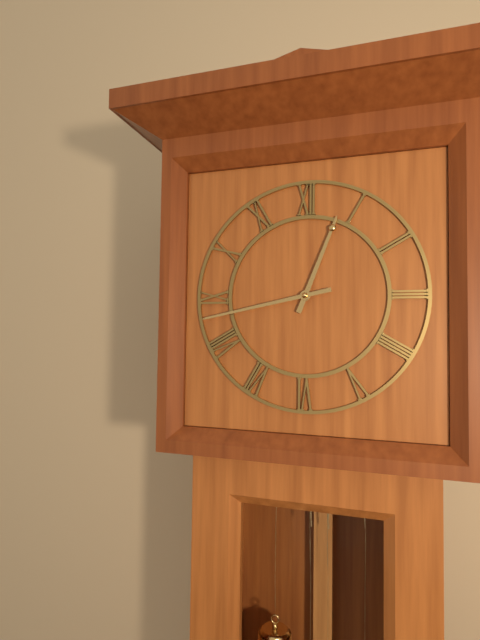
**12:43**
